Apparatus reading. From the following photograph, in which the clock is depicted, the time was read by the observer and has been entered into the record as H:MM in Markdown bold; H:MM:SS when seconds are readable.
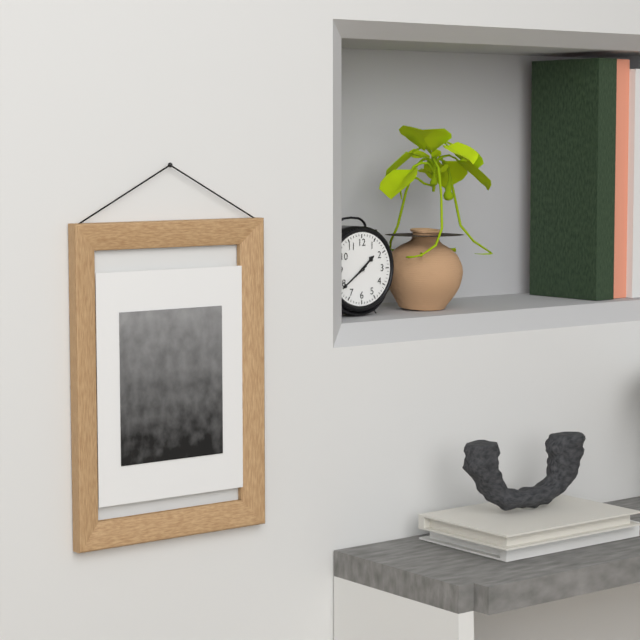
**1:39**
